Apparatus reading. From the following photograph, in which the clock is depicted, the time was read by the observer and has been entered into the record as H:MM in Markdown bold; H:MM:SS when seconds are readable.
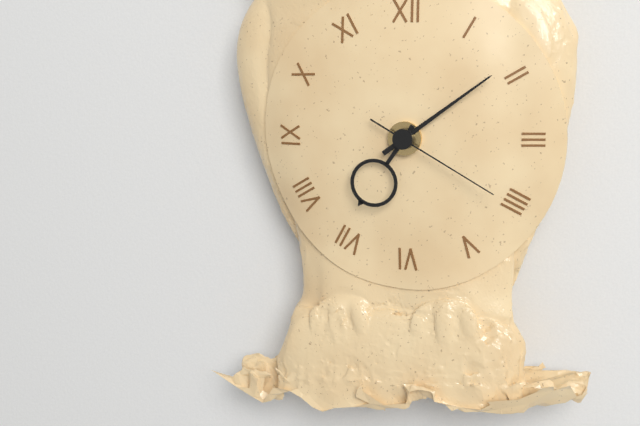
**7:09:20**
